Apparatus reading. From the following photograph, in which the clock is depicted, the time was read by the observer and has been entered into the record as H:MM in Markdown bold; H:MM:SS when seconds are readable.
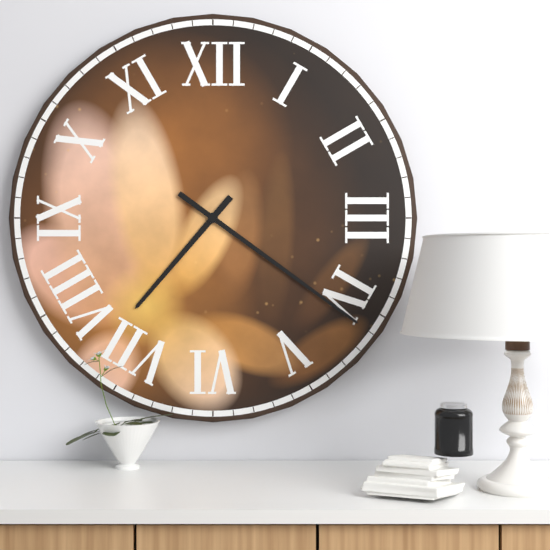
**7:21**
